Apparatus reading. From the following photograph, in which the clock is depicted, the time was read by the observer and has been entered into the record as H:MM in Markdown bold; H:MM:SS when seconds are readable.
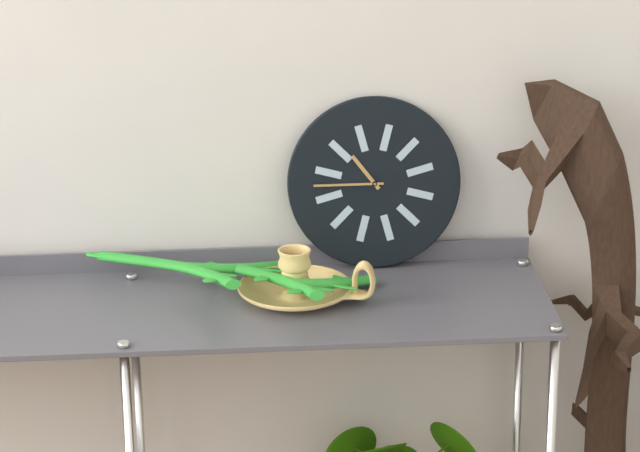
**10:45**
